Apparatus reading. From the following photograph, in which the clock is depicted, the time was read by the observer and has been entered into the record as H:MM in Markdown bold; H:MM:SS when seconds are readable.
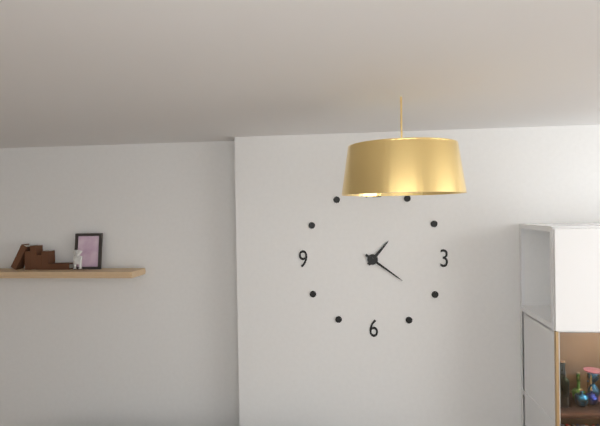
**1:21**
